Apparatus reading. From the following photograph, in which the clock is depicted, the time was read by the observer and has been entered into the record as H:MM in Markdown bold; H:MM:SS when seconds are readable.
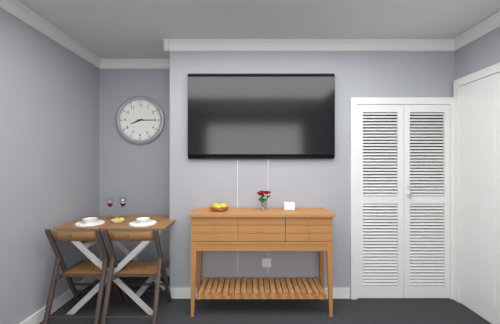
**8:15**
